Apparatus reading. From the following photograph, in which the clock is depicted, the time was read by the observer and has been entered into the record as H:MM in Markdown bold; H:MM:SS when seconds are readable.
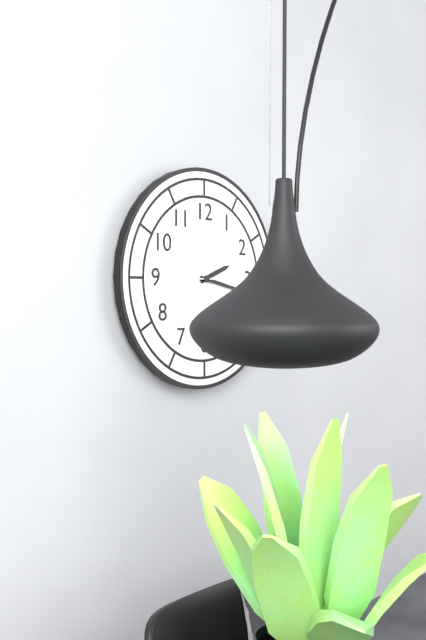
**2:17**
